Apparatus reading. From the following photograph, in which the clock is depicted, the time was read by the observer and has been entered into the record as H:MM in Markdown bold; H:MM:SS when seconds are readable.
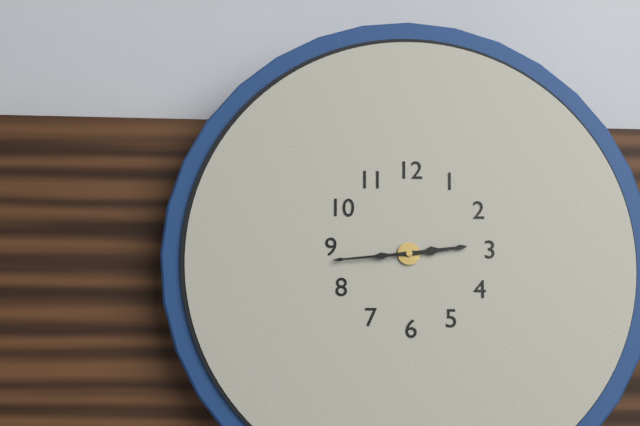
**2:44**
